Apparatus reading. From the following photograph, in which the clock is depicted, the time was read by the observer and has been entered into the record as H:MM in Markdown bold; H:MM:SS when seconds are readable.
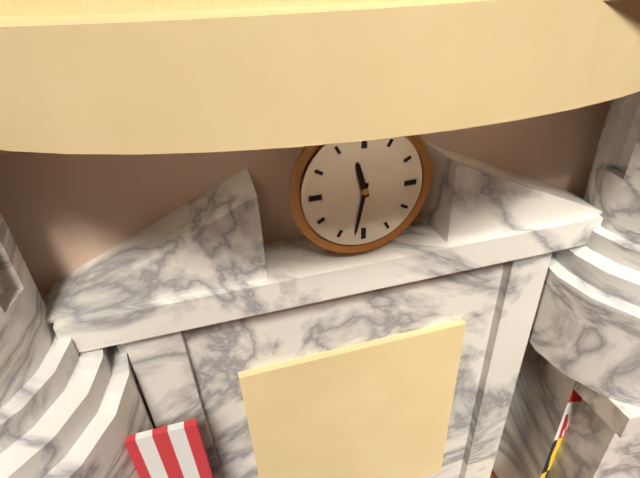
**11:32**
